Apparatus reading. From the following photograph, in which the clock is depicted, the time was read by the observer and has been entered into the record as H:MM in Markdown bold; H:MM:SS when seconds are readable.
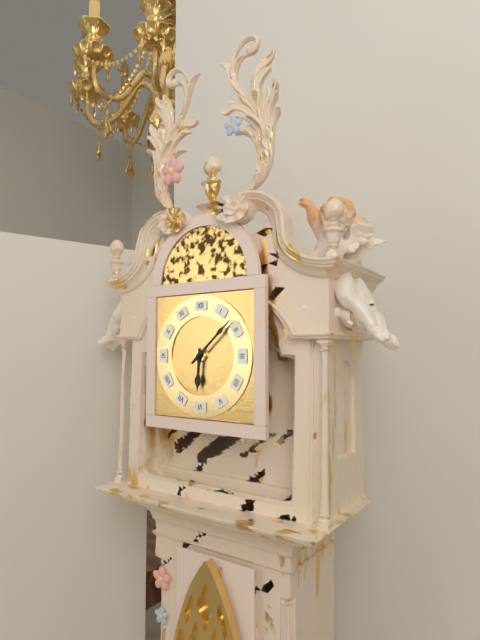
**6:08**
